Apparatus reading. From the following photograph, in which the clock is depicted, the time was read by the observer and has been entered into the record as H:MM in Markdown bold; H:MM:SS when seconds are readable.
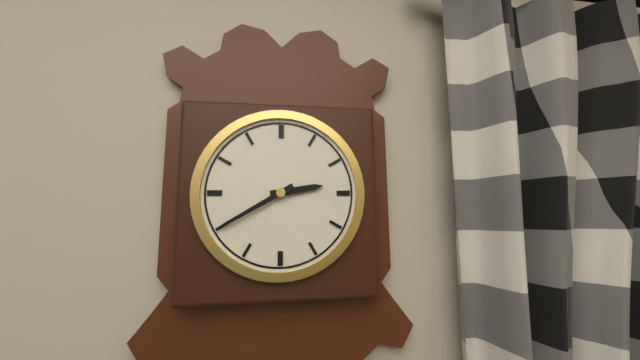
**2:40**
